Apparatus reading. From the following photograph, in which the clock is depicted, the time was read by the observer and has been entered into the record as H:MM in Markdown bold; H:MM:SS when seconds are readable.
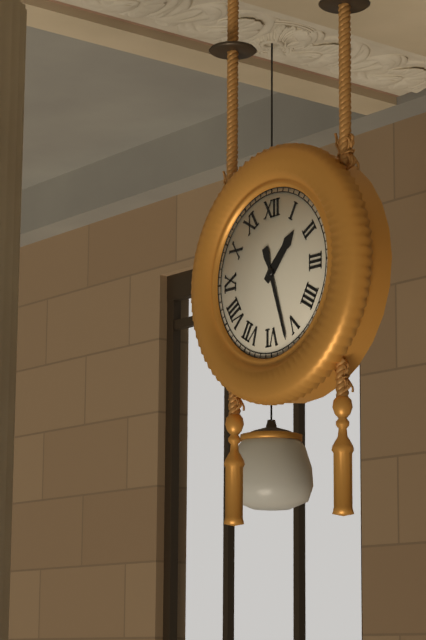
**1:27**
